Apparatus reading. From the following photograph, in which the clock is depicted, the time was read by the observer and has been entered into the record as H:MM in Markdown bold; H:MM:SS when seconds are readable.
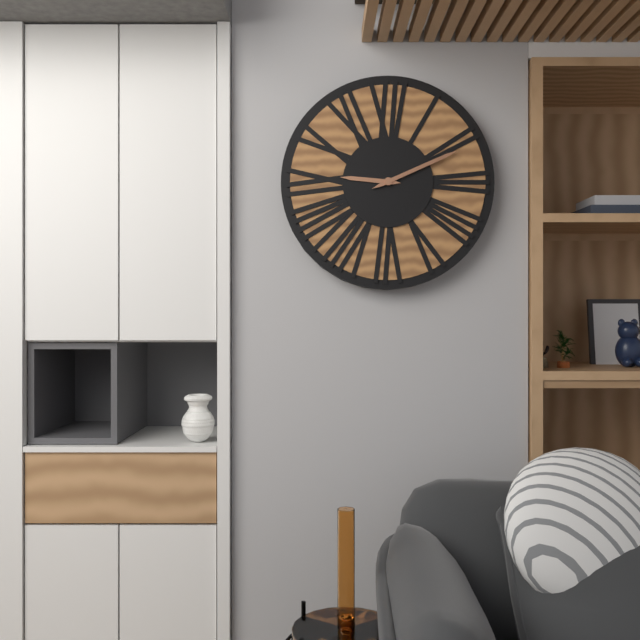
**9:11**
